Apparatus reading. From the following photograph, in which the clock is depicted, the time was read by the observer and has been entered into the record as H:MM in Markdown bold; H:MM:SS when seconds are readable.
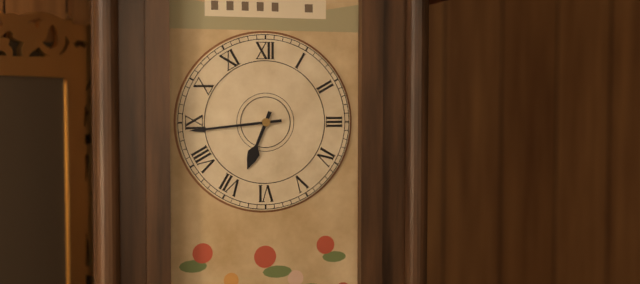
**6:44**
